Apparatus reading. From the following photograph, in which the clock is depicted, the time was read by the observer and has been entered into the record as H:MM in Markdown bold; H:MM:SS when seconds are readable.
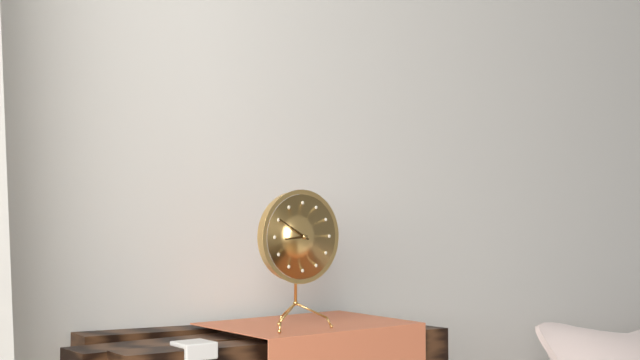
**8:50**
